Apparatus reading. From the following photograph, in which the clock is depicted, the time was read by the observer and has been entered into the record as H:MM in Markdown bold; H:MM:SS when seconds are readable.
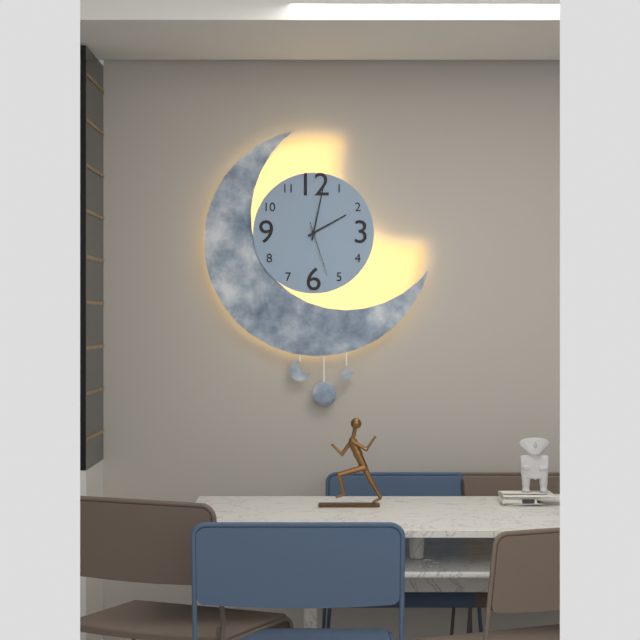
**2:02:27**
